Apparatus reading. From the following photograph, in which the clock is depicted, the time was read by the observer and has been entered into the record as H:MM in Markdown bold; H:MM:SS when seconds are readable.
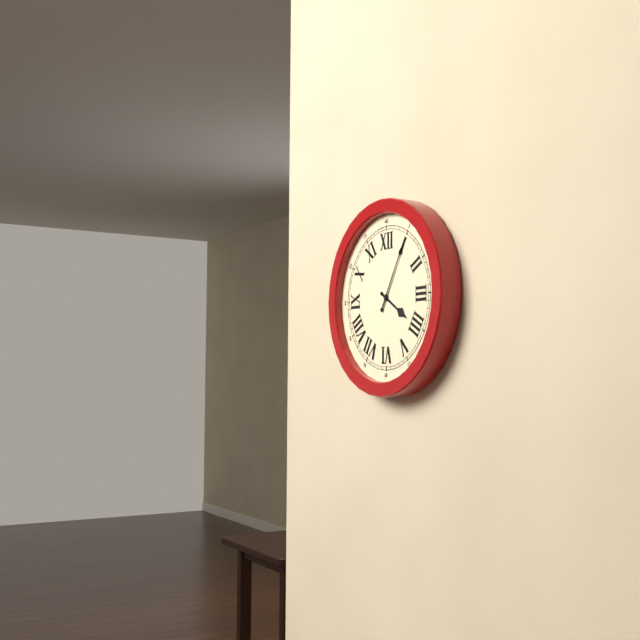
**4:05**
